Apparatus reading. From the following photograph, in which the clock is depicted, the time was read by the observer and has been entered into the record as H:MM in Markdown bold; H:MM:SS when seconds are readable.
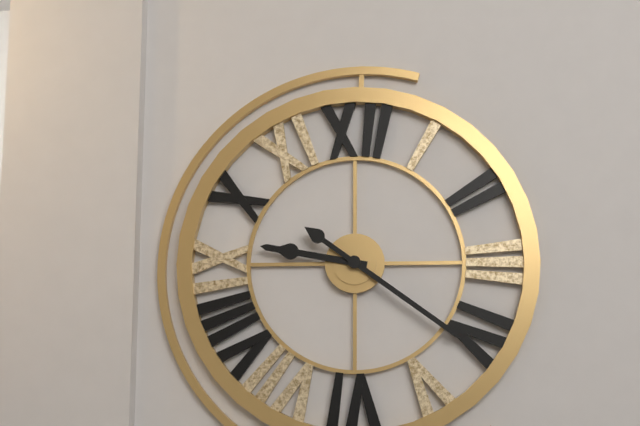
**9:21**
